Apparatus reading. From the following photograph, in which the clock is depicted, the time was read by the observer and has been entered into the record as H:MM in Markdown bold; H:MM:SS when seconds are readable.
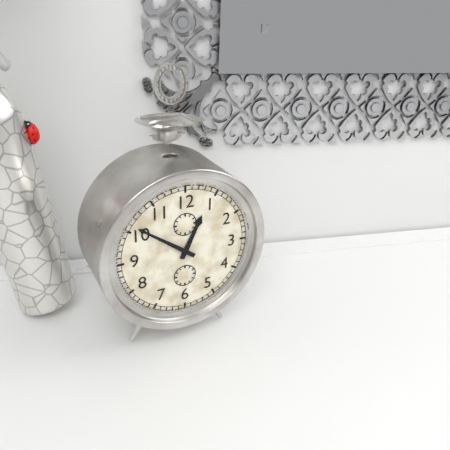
**12:51**
